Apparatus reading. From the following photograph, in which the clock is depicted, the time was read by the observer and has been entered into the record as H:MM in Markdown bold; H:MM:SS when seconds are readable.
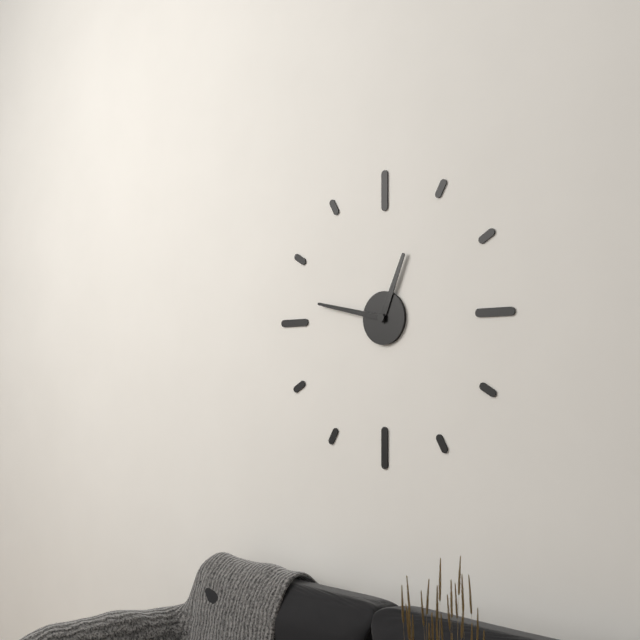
**12:47**
